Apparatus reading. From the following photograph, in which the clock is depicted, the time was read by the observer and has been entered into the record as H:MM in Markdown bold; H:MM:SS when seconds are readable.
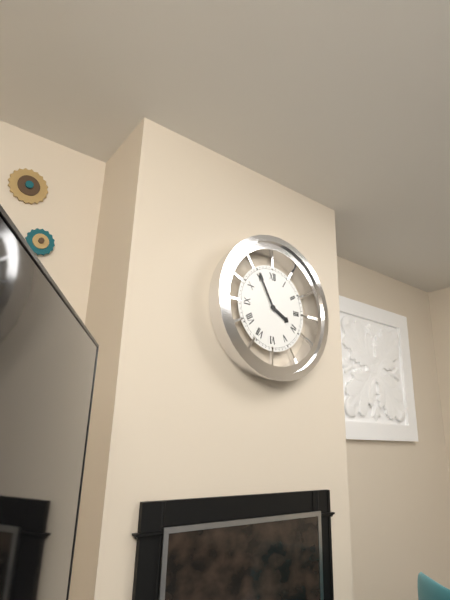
**3:55**
